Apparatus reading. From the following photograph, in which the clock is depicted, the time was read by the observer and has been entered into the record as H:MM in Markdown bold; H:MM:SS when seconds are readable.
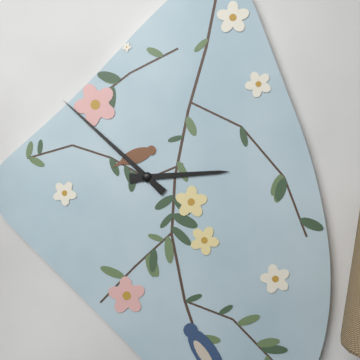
**2:52**
